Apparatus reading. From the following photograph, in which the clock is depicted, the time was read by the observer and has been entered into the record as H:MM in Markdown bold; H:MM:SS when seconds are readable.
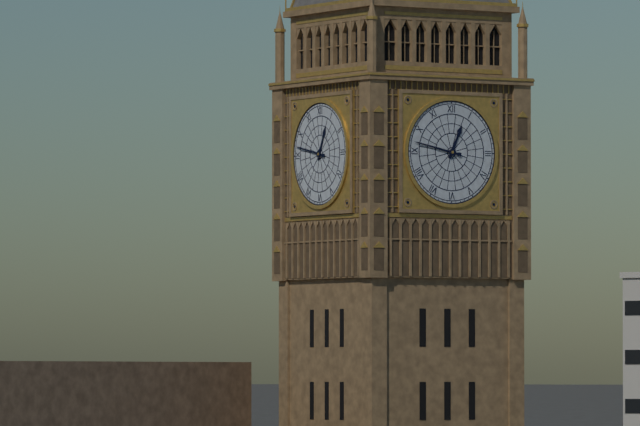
**12:47**
